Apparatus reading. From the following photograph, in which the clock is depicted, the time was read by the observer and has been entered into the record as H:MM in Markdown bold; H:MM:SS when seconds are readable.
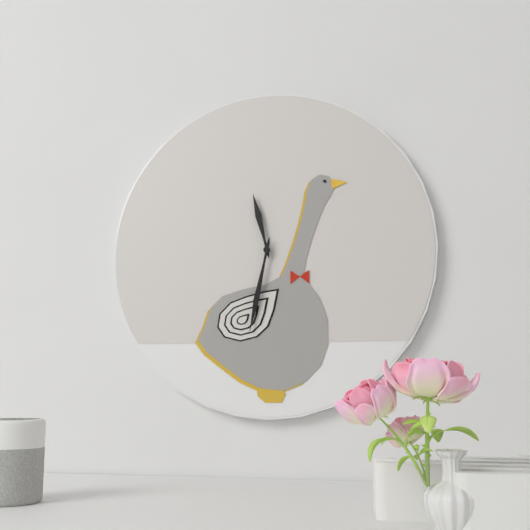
**11:32**
